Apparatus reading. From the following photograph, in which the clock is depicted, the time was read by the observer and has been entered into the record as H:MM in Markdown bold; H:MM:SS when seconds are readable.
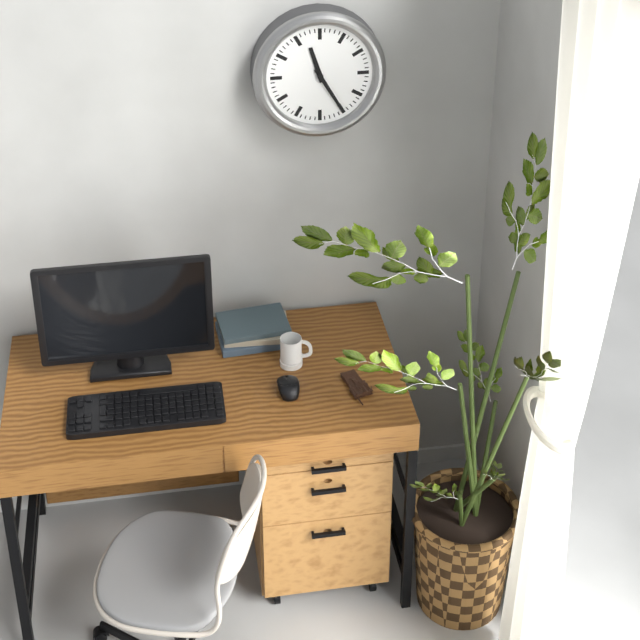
**11:25**
